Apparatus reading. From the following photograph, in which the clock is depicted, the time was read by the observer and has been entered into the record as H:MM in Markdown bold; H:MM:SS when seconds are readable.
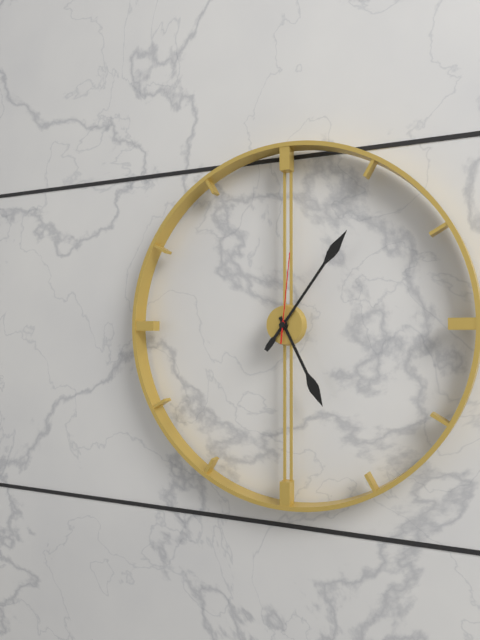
**5:06:01**
